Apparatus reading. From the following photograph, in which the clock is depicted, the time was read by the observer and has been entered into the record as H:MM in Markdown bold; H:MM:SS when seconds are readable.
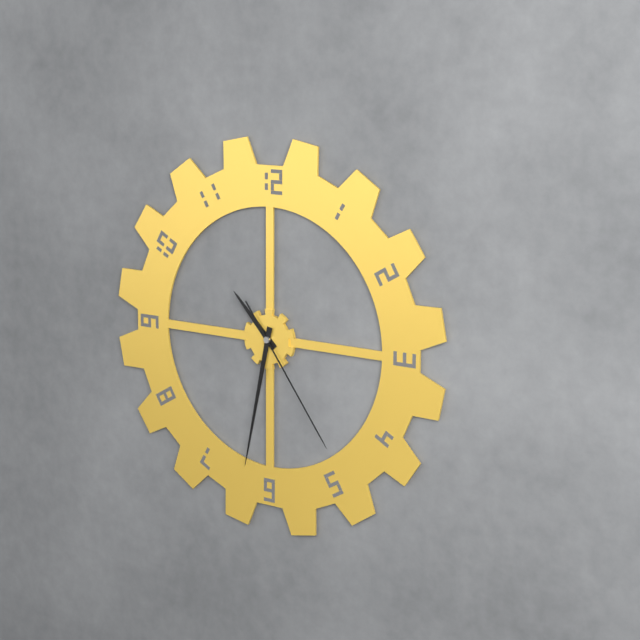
**10:32:24**
